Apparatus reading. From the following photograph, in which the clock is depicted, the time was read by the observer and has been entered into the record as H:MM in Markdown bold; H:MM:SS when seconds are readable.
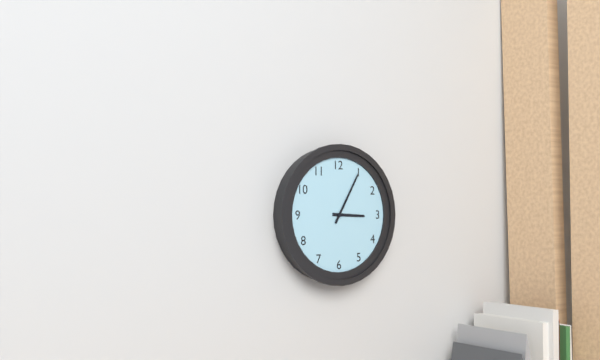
**3:05**
